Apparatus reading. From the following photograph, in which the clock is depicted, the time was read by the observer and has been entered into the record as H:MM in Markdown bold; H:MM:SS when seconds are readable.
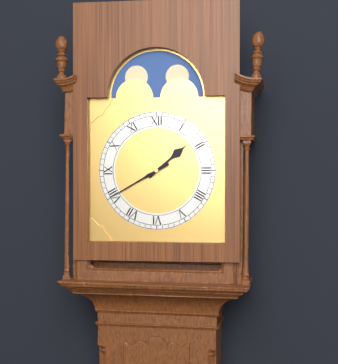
**1:40**
